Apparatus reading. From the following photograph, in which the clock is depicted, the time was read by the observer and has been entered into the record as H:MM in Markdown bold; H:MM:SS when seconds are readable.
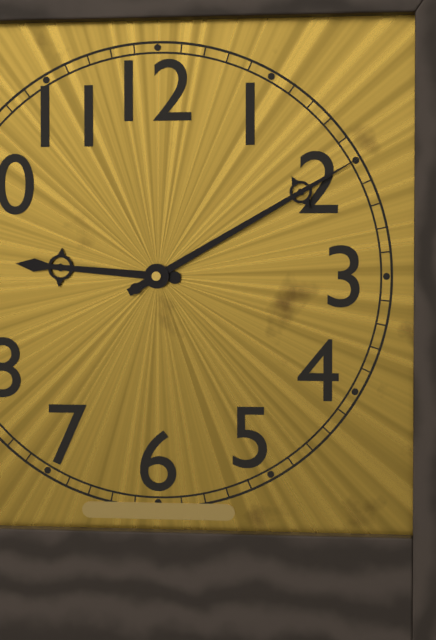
**9:10**
